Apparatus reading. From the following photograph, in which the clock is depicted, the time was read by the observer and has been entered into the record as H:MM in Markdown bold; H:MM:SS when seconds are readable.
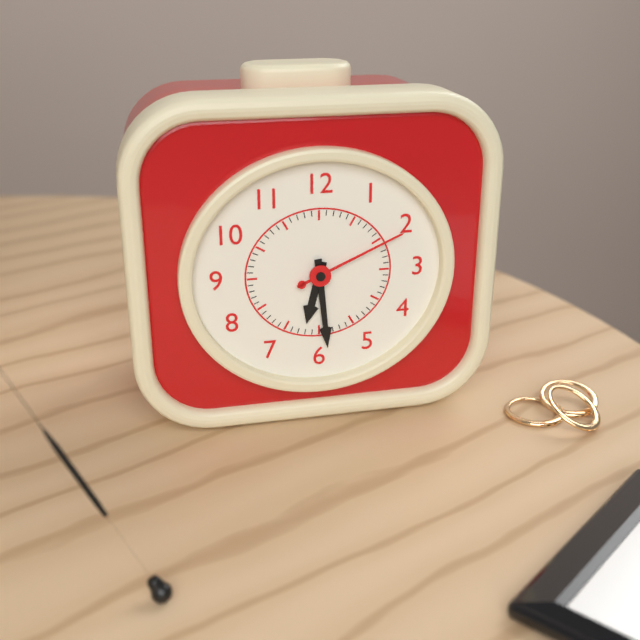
**6:29:11**
